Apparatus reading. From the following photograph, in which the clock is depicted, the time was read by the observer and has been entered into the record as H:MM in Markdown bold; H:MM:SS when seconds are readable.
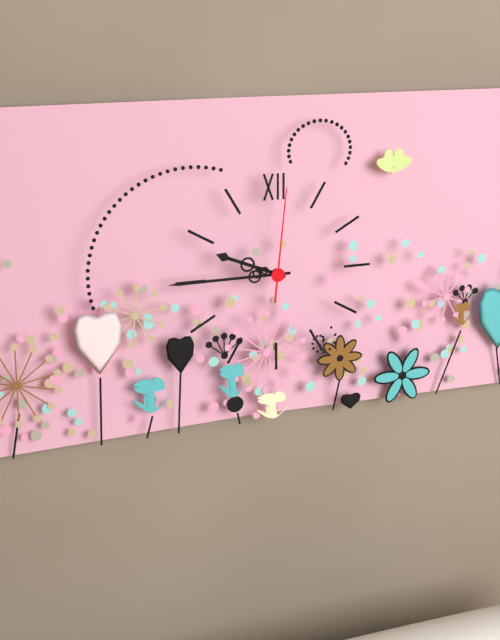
**9:45:01**
